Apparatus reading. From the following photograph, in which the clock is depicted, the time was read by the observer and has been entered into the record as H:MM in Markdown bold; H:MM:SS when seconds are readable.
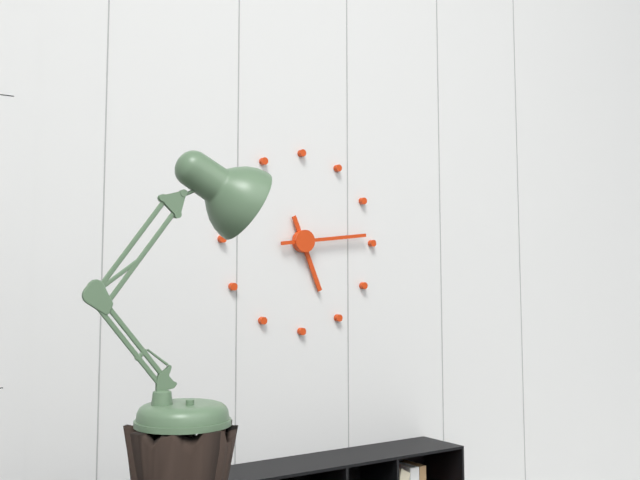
**5:14**
